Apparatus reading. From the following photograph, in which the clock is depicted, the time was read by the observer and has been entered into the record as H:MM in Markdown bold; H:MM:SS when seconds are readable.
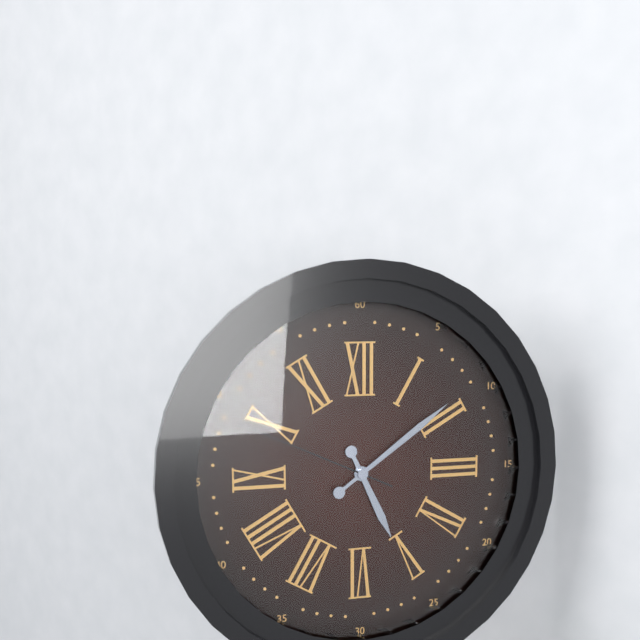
**5:09:49**
